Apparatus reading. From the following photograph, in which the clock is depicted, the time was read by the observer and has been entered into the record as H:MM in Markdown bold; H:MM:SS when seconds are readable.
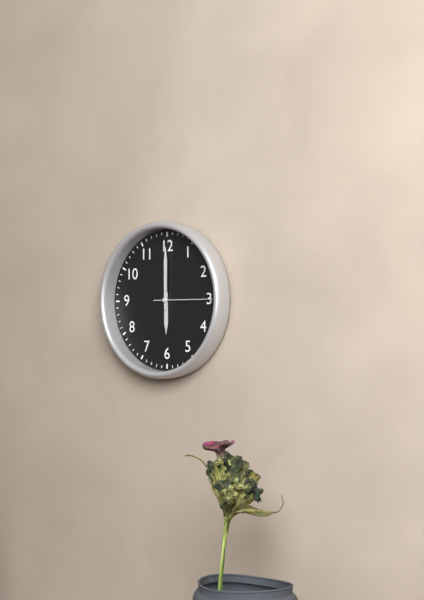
**6:00:15**
